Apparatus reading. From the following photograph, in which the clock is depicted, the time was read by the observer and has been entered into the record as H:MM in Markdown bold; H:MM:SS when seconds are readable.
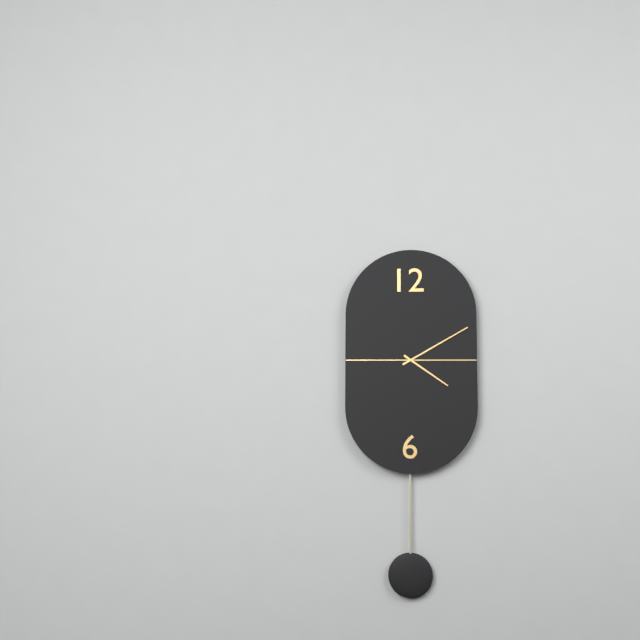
**4:10**
